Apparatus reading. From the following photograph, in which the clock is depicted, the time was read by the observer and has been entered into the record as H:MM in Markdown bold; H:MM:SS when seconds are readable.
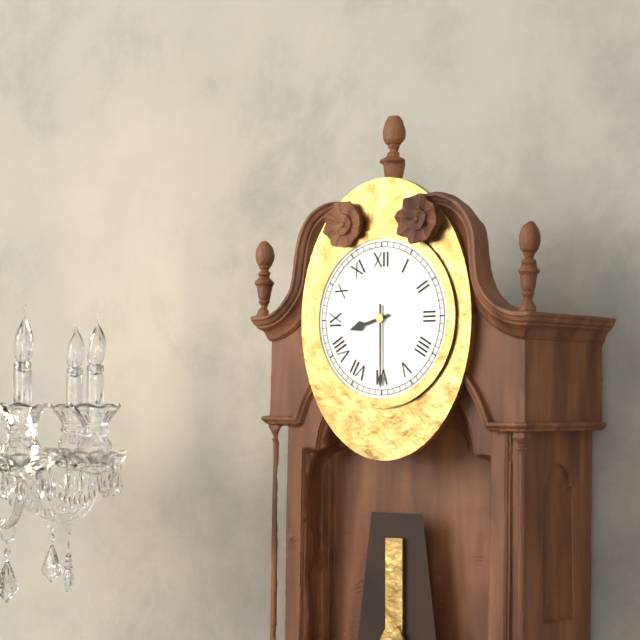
**8:30**
